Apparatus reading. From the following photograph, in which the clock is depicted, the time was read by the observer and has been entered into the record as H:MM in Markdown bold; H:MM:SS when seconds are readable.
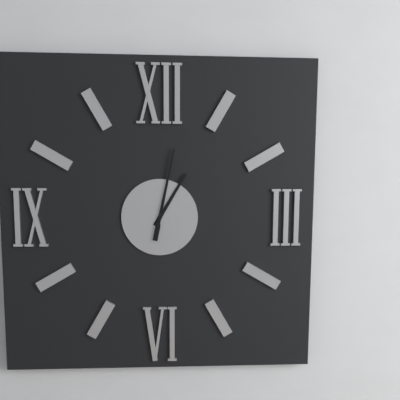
**1:02**
